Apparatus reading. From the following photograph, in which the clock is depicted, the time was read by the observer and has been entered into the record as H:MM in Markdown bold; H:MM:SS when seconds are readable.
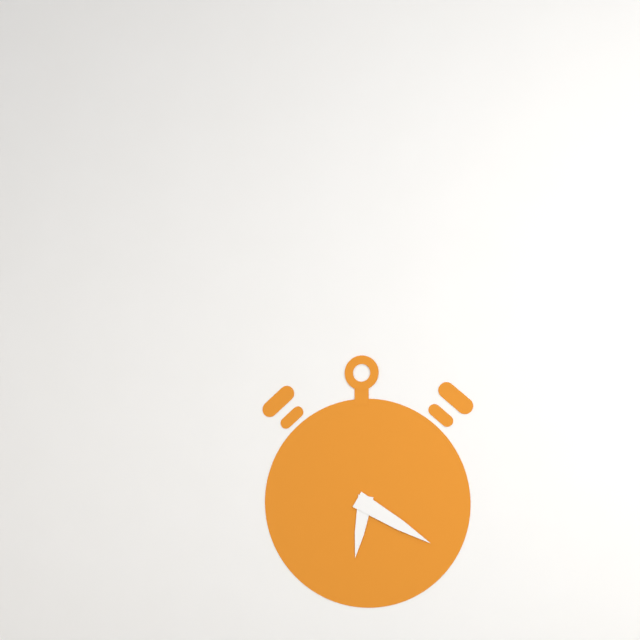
**6:20**
